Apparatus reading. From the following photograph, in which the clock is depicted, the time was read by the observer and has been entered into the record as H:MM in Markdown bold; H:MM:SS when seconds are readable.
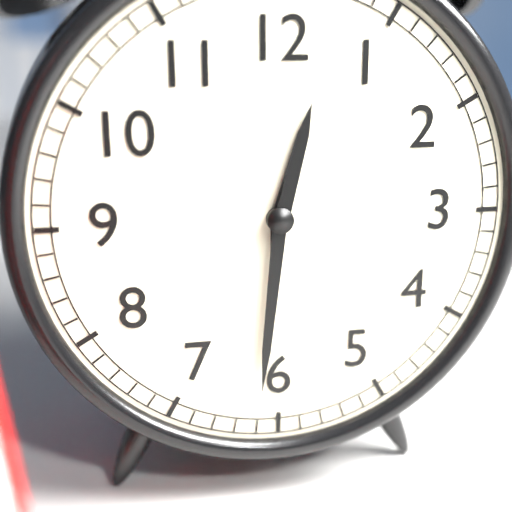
**12:31**
